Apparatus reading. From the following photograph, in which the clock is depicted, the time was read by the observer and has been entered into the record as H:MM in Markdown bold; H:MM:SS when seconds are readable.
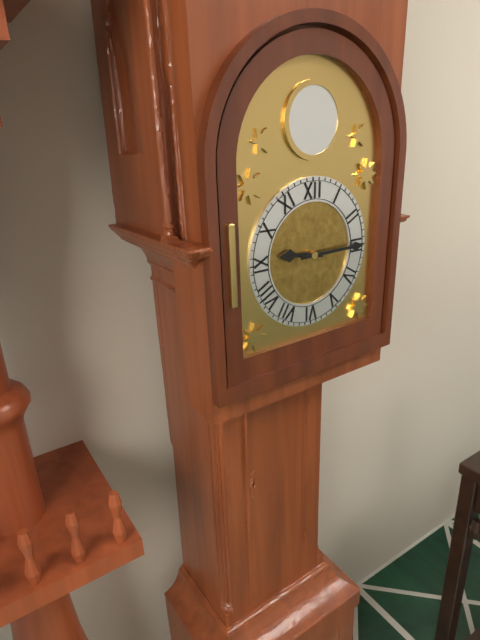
**9:15**
